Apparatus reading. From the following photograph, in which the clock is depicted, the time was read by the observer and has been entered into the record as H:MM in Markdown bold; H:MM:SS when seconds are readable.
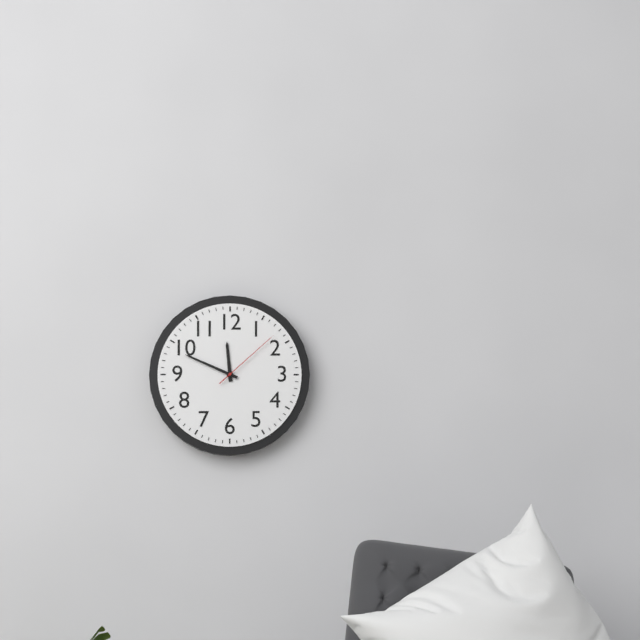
**11:49:08**
